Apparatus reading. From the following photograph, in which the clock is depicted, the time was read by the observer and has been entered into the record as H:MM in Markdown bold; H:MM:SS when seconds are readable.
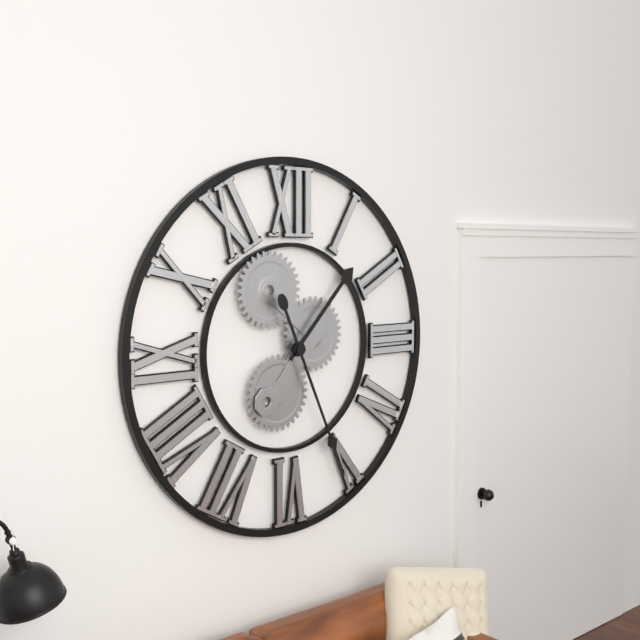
**1:26**
